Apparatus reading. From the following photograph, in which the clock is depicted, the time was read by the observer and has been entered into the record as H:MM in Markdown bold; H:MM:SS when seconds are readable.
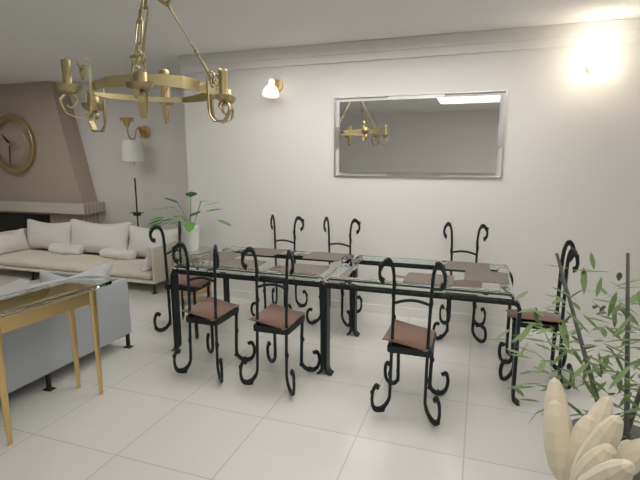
**10:31**
